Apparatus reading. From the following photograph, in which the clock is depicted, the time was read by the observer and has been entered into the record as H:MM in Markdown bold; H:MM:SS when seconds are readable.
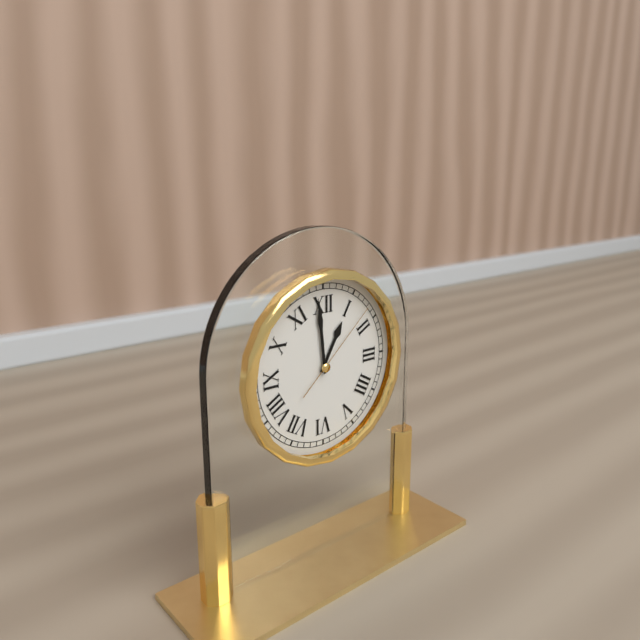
**12:59:08**
